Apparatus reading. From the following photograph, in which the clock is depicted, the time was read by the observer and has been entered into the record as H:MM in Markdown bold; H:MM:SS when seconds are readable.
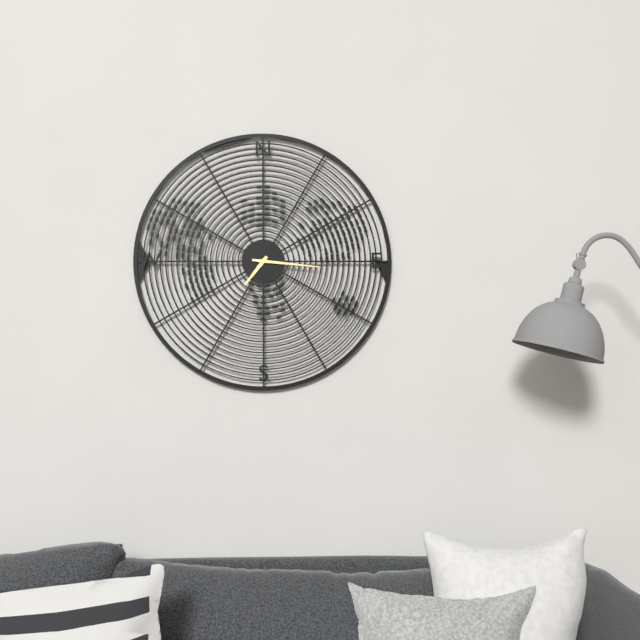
**7:16**
